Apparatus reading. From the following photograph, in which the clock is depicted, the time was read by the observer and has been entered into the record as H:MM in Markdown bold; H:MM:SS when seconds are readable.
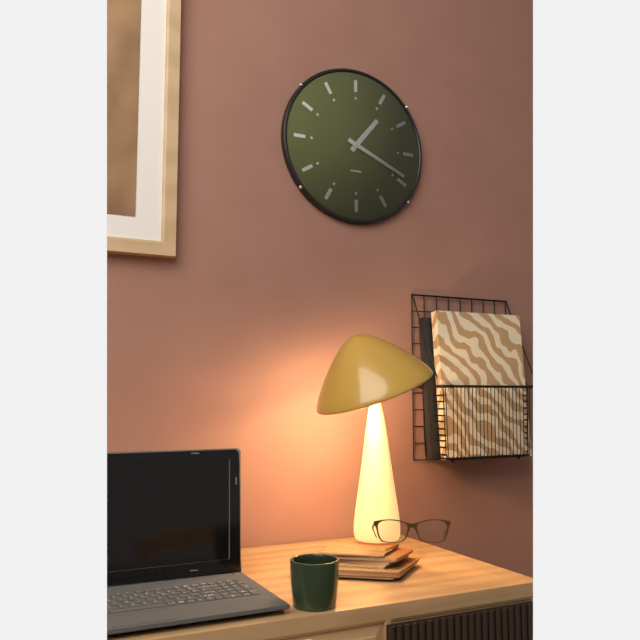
**1:19**
